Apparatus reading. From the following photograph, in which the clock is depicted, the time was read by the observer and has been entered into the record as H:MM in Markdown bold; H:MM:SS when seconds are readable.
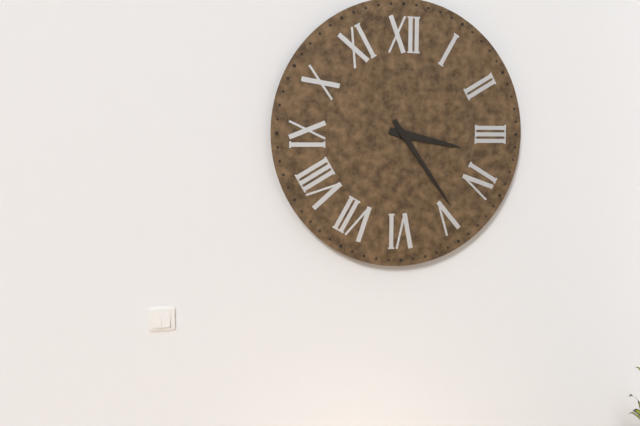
**3:24**
